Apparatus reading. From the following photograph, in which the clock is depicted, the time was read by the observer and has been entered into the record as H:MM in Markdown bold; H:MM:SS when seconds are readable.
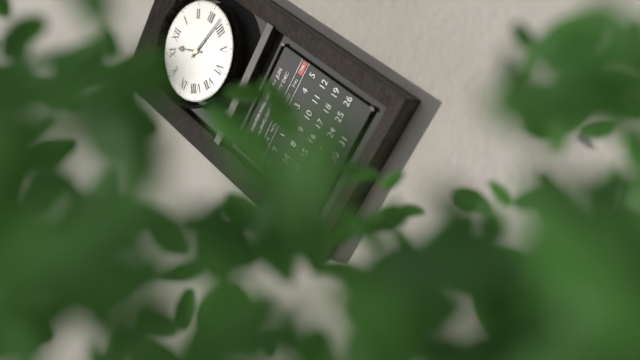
**11:18**
